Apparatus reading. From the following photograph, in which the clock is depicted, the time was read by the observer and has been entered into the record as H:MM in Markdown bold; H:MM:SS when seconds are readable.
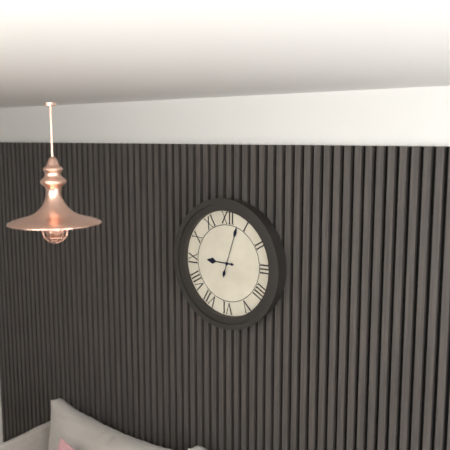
**9:03**
